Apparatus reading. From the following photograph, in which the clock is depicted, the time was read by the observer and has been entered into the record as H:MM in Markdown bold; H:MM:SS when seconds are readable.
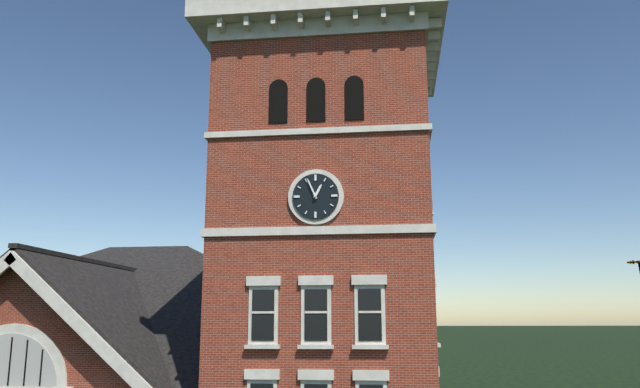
**12:56**
